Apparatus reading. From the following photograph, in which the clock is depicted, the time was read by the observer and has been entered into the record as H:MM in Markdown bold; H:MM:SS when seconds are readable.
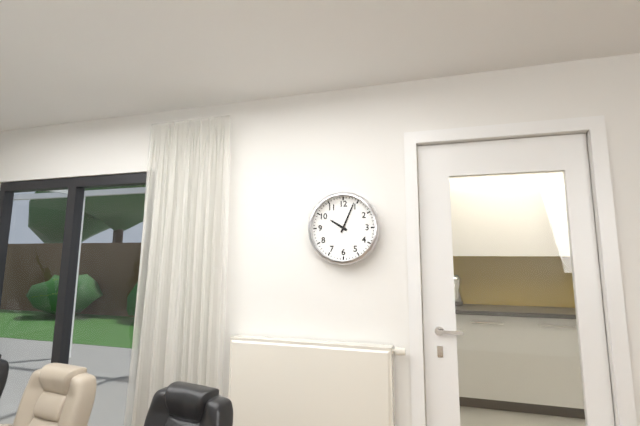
**10:04**
